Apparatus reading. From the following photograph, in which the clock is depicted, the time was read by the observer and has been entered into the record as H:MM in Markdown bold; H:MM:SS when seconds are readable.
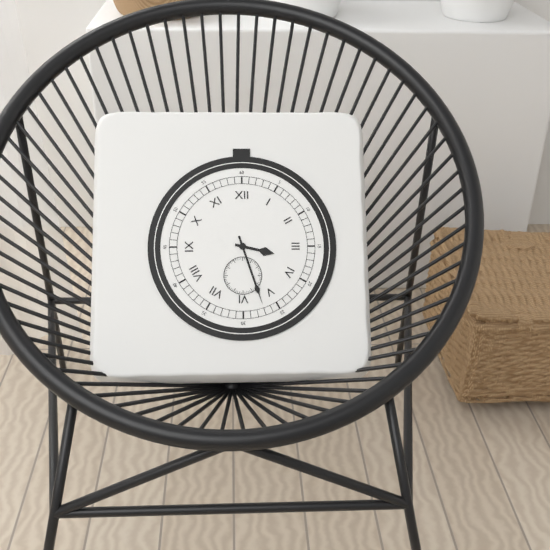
**3:27**
